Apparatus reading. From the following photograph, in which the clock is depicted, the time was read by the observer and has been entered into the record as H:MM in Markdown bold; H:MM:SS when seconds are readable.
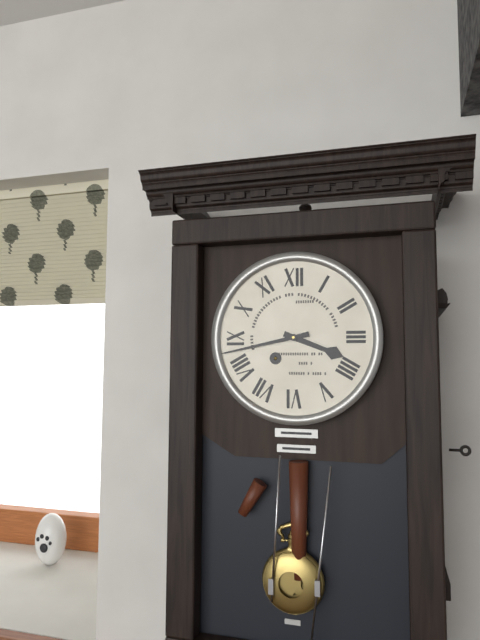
**3:43**
